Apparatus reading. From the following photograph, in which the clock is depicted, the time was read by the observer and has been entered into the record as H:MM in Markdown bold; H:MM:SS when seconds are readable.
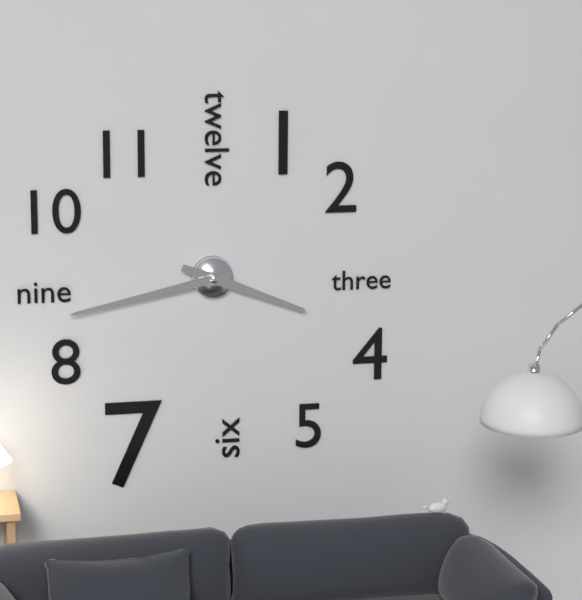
**3:43**
